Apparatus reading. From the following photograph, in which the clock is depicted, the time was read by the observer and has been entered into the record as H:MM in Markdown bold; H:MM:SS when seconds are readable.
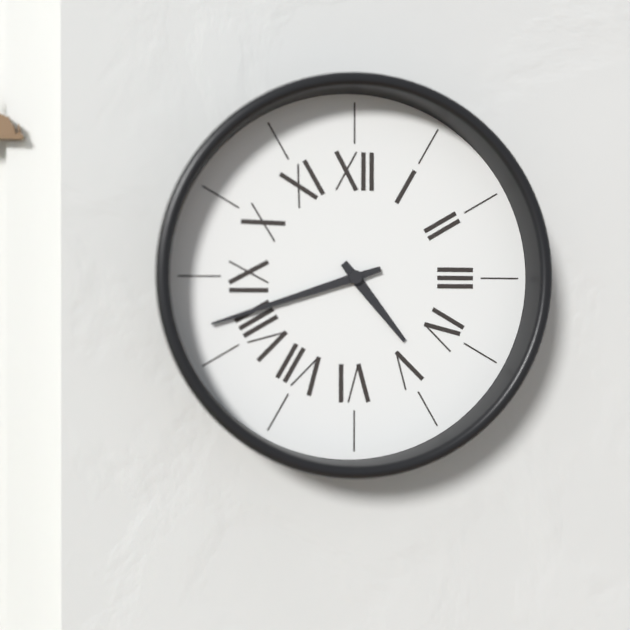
**4:42**
